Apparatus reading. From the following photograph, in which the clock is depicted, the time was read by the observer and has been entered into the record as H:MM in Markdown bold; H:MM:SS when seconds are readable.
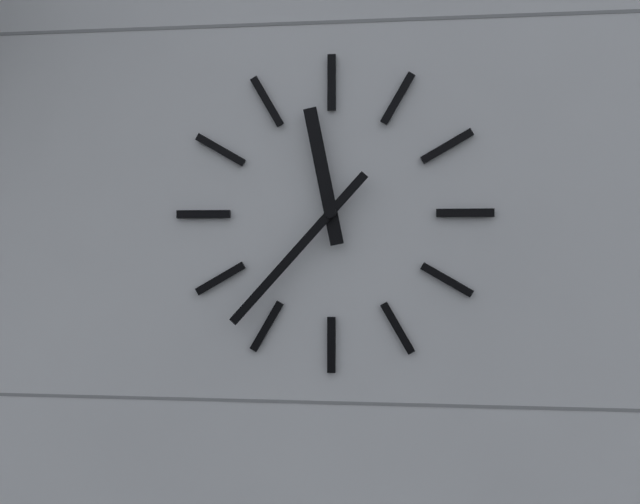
**11:37**
